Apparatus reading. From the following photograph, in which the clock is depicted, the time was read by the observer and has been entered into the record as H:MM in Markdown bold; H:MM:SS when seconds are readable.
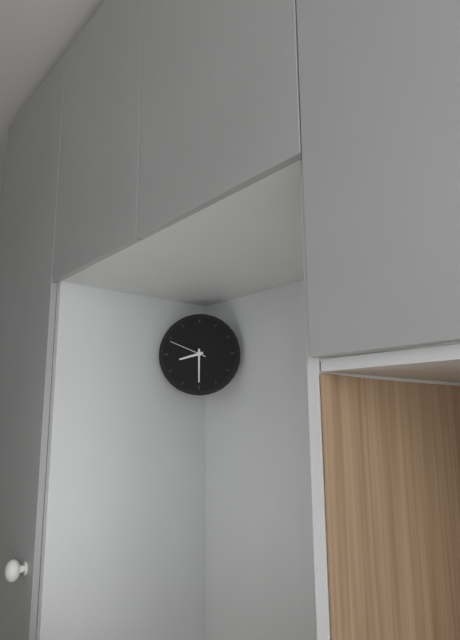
**8:30**
